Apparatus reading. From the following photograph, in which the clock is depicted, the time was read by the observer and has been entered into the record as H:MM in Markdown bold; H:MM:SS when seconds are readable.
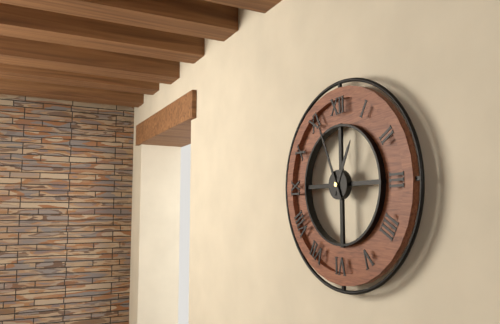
**12:56**
